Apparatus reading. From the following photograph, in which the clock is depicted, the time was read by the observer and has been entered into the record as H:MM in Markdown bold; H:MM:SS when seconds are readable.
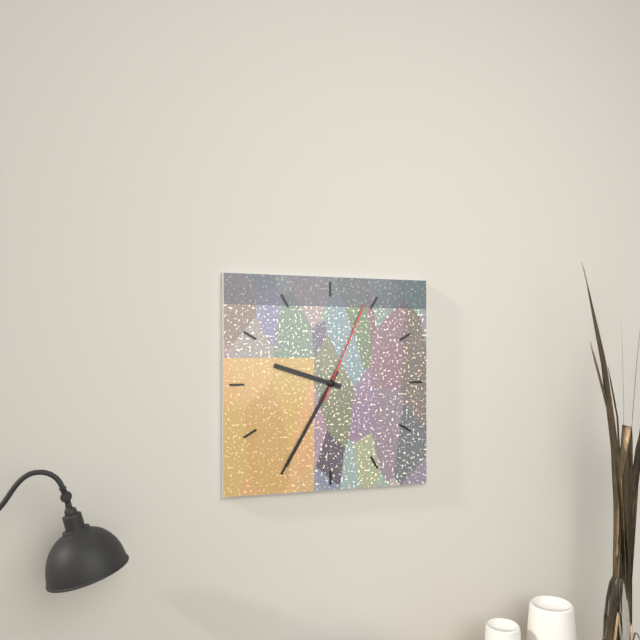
**9:35:04**
